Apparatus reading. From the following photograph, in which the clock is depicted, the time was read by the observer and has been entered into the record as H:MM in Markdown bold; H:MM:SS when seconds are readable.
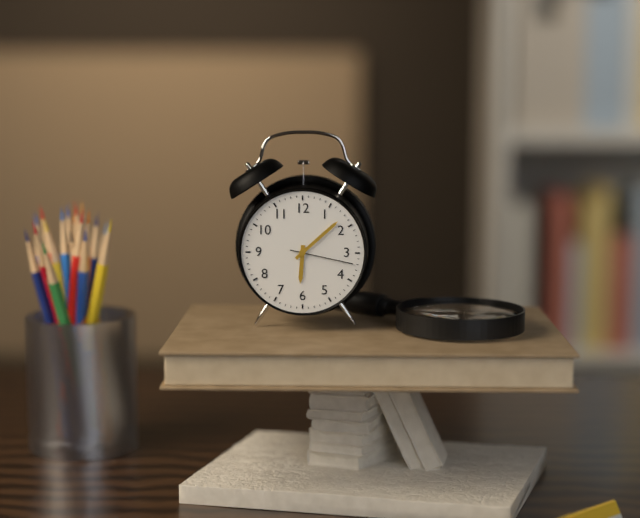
**6:08:17**
